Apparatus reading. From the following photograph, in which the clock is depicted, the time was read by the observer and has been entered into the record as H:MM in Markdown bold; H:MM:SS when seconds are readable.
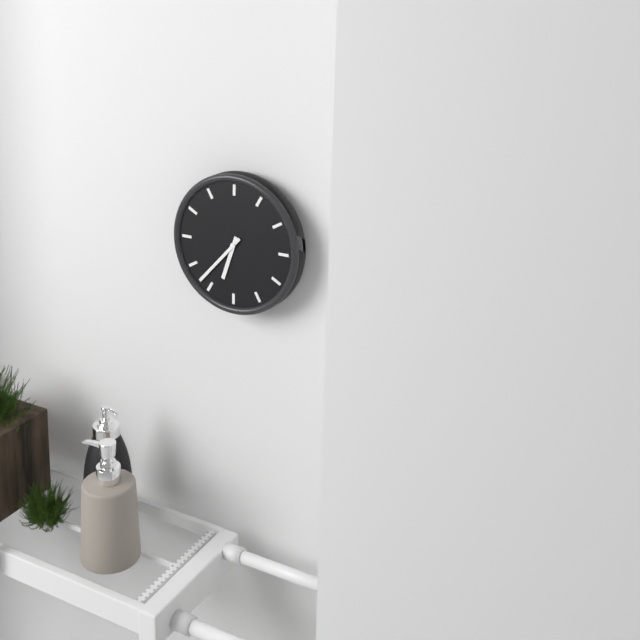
**6:37**
